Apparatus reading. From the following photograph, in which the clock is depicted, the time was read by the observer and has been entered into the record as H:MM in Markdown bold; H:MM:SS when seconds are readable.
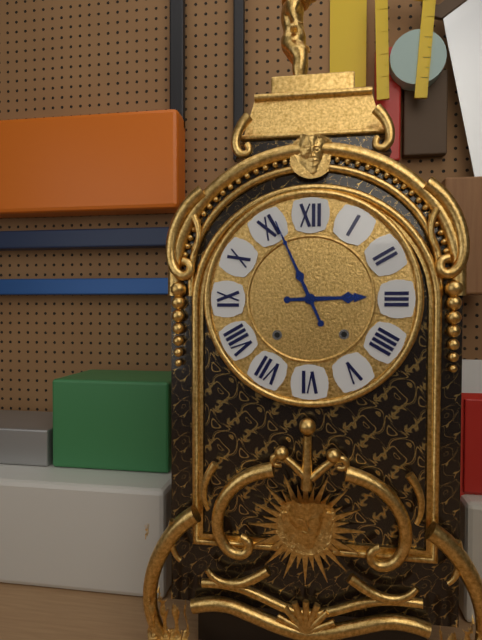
**2:56**
